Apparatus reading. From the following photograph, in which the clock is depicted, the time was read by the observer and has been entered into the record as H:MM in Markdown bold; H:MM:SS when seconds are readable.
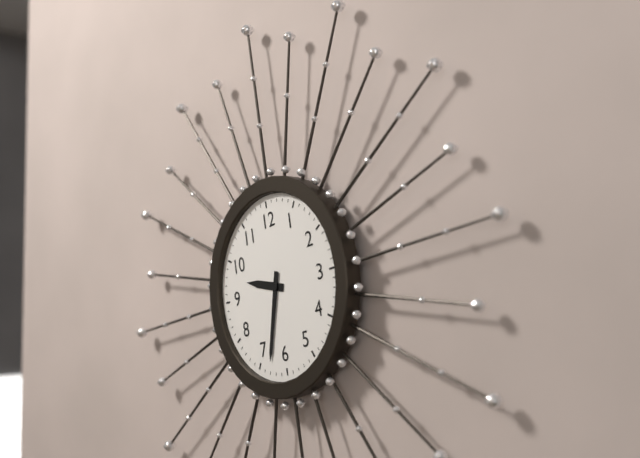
**9:33**
